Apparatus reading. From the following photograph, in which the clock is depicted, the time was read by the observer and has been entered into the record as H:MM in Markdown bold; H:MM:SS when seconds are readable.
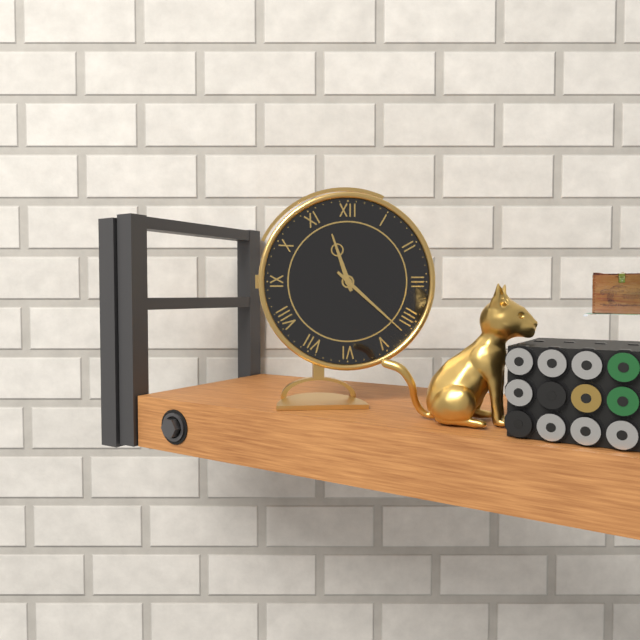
**11:22**
